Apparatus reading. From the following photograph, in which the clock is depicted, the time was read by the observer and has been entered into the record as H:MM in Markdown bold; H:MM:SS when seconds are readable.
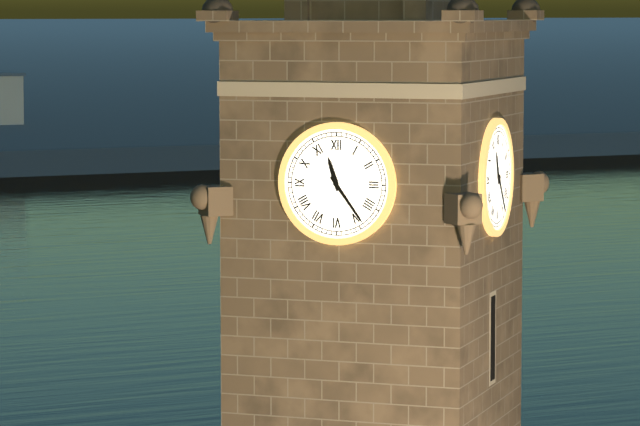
**11:24**
